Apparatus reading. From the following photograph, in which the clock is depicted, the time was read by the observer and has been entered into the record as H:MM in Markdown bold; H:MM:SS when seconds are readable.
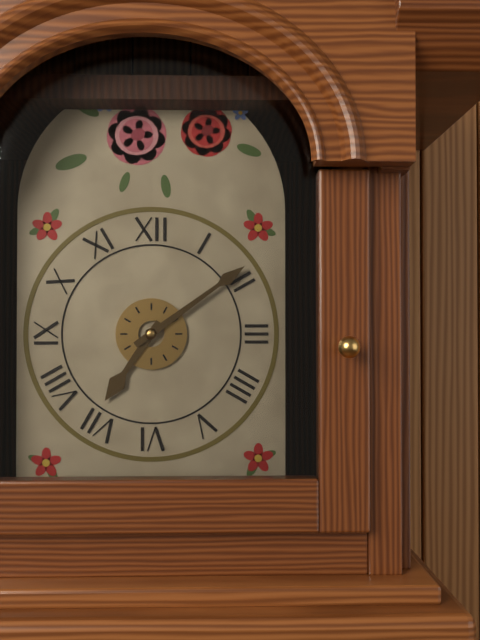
**7:09**
